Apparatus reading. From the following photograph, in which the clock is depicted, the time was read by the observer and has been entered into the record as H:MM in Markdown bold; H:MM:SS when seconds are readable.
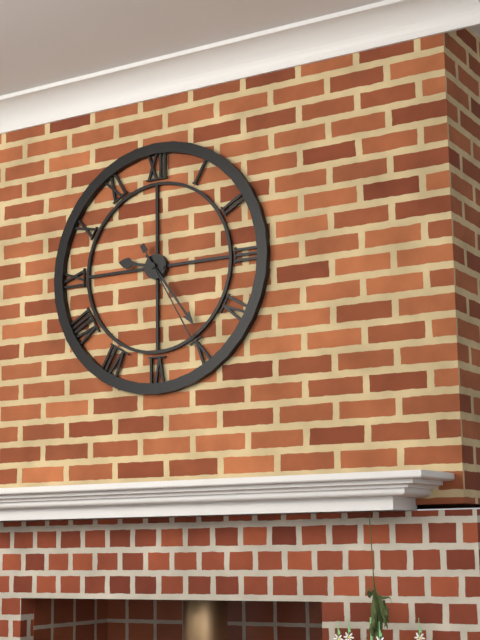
**9:24:25**
